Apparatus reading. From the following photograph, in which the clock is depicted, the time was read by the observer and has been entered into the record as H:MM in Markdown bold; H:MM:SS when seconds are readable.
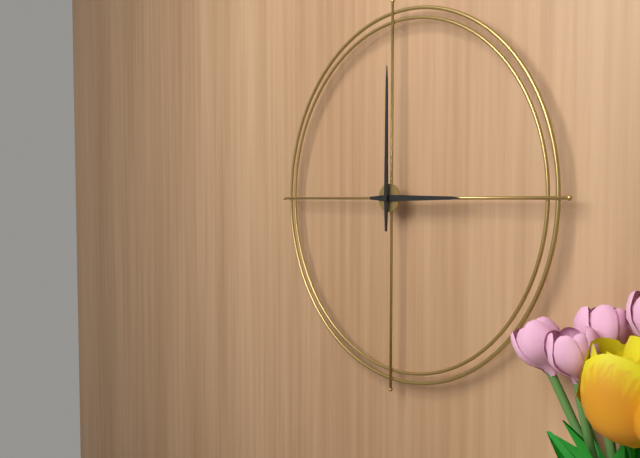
**3:00**
